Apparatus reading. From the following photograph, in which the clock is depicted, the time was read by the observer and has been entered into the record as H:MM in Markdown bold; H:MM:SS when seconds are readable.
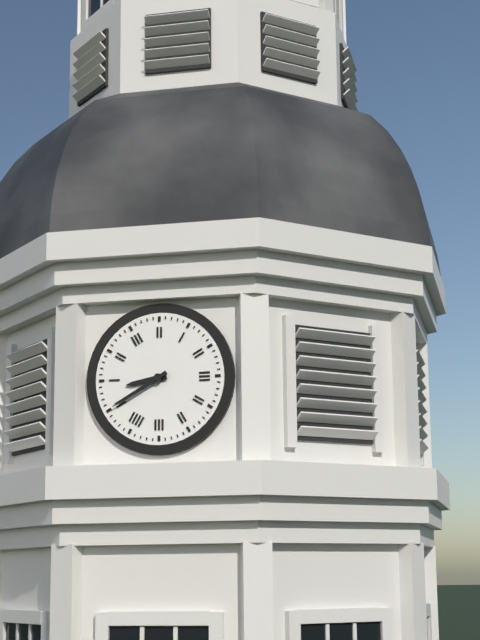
**8:40**
